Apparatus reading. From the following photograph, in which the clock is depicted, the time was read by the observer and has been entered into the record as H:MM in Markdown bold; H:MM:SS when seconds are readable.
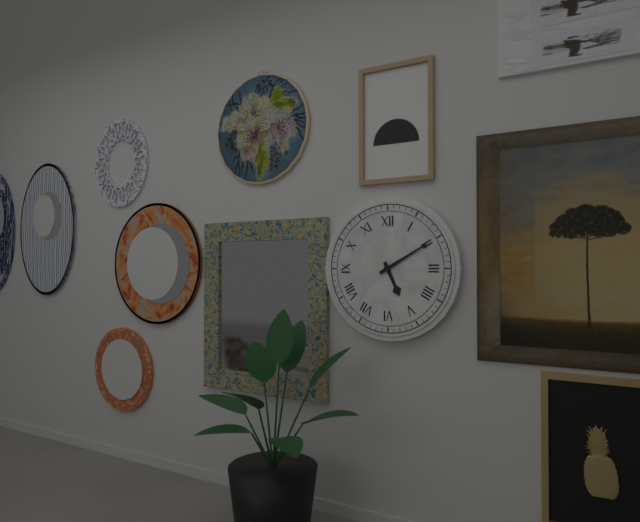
**5:10**
